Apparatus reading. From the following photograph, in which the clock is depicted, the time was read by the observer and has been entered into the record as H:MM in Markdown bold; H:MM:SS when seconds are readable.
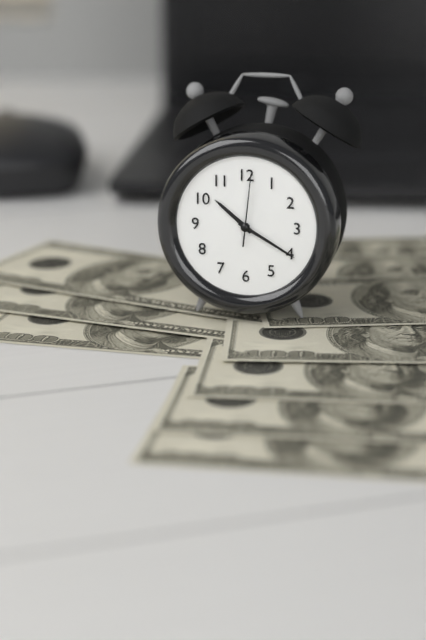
**10:20:01**
